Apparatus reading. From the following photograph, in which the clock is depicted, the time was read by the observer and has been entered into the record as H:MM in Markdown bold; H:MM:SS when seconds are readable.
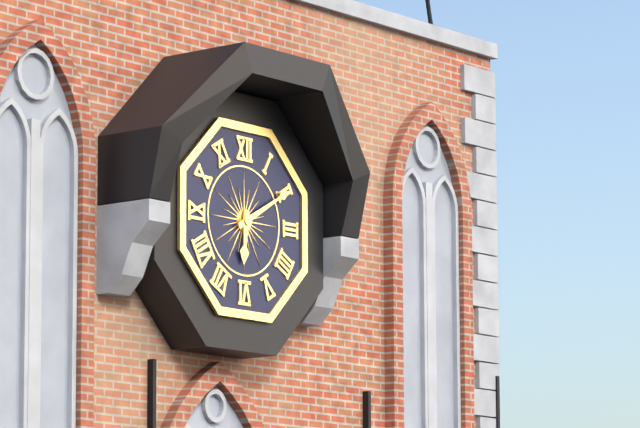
**6:10**
